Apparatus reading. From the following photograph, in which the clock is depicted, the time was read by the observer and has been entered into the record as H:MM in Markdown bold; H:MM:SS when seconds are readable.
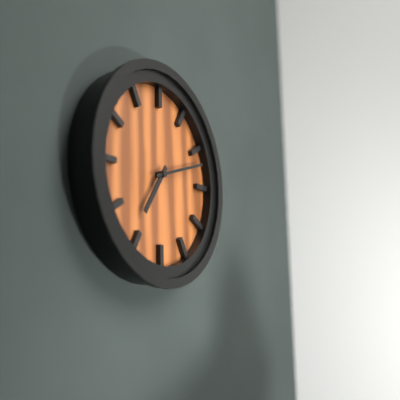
**7:12**
